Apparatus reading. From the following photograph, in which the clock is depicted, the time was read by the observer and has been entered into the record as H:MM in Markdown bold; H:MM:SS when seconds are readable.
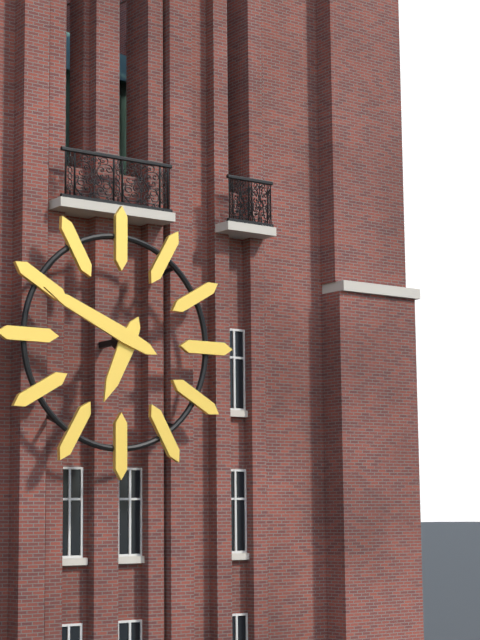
**6:49**
